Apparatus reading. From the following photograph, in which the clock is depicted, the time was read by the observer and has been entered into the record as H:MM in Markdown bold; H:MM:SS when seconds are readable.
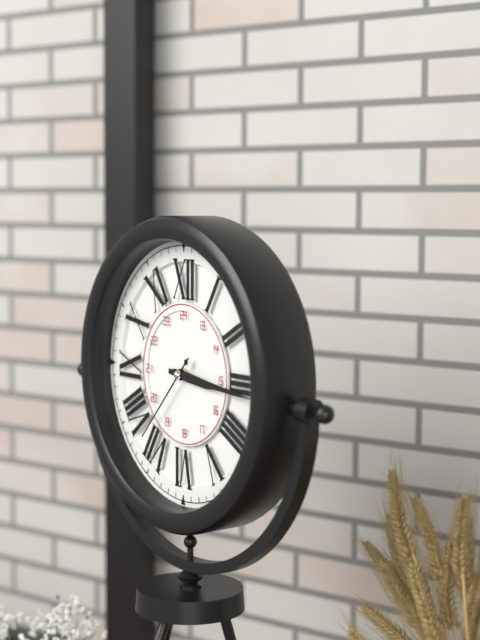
**3:16:37**
